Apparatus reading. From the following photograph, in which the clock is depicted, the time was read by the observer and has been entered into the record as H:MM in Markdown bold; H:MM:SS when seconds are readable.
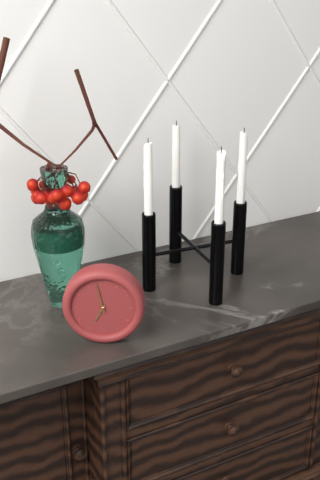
**6:58**
